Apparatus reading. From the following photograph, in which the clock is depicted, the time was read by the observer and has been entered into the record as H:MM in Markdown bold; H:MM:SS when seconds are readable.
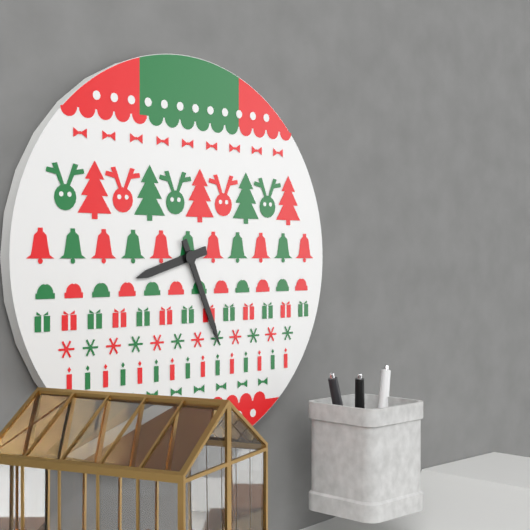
**8:26**
